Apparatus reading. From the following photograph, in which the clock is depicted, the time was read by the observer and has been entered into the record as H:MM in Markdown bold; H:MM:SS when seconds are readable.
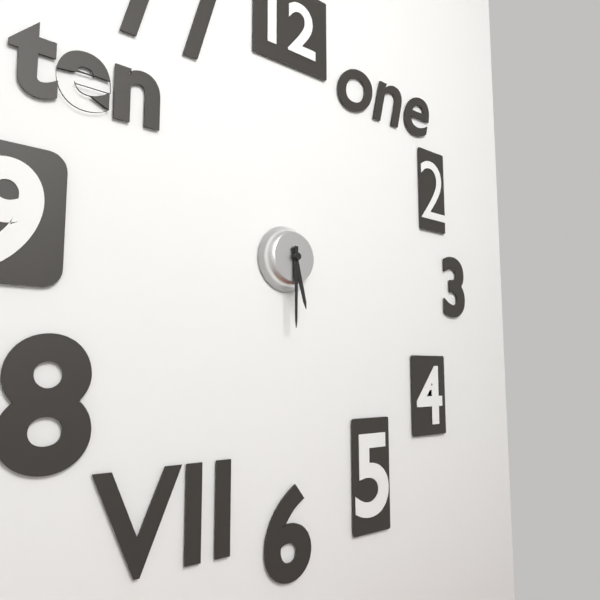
**5:30**
